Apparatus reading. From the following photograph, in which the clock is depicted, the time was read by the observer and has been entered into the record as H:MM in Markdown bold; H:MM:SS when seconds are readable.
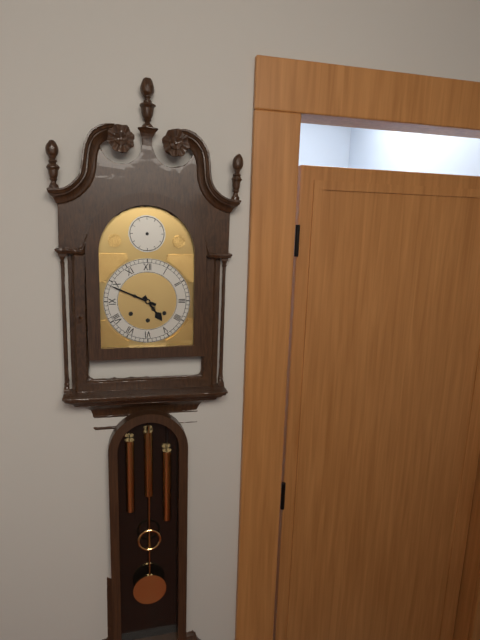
**4:49**
